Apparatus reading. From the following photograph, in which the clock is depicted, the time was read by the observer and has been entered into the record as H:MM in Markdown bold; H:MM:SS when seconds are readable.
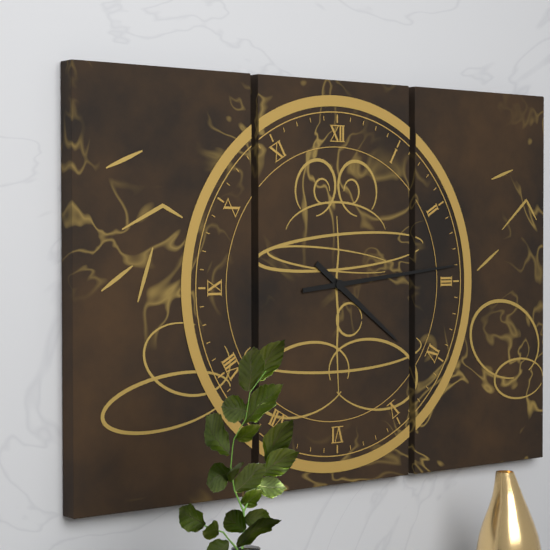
**4:14**
